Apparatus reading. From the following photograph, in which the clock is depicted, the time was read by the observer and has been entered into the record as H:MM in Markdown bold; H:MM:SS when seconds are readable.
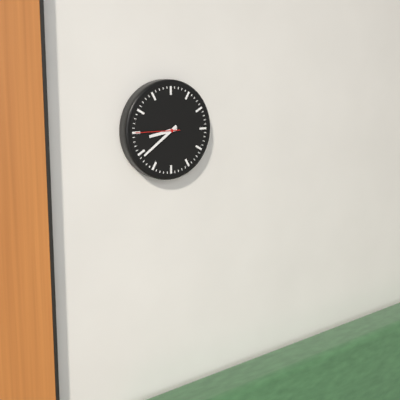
**8:39**
